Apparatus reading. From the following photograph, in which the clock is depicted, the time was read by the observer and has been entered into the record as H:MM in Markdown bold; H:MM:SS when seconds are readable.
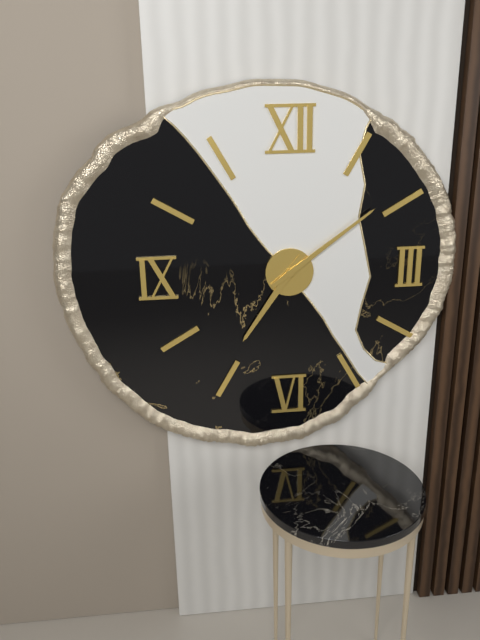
**7:09**
